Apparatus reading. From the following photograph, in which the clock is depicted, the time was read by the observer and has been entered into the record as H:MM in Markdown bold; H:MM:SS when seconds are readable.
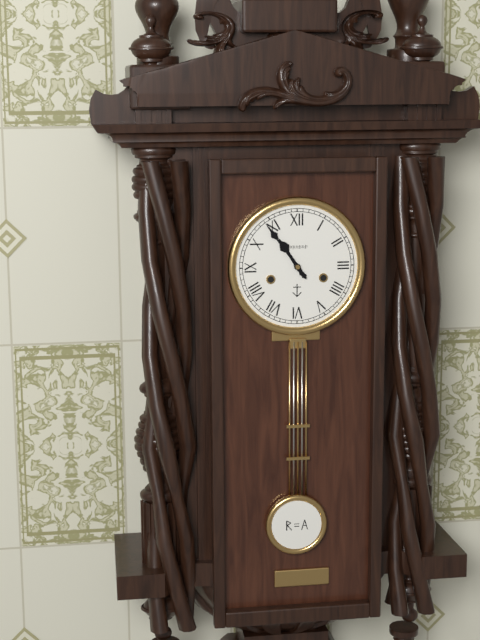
**10:54**
